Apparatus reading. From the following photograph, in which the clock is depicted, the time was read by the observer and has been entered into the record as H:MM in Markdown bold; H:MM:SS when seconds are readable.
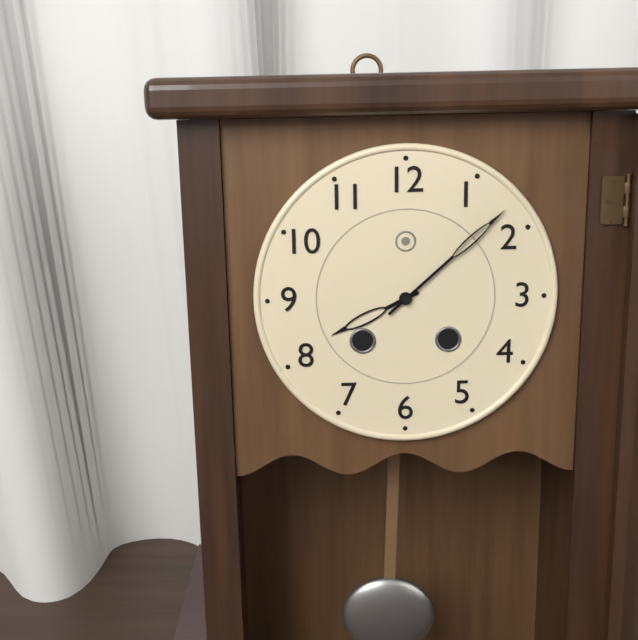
**8:08**
